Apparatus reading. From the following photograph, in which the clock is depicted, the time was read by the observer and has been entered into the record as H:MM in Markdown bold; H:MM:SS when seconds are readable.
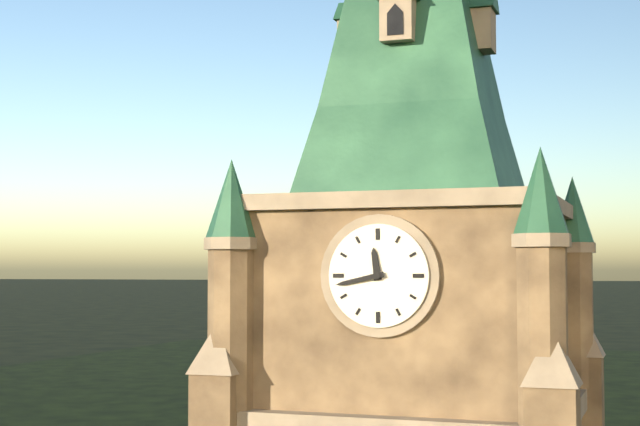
**11:43**
